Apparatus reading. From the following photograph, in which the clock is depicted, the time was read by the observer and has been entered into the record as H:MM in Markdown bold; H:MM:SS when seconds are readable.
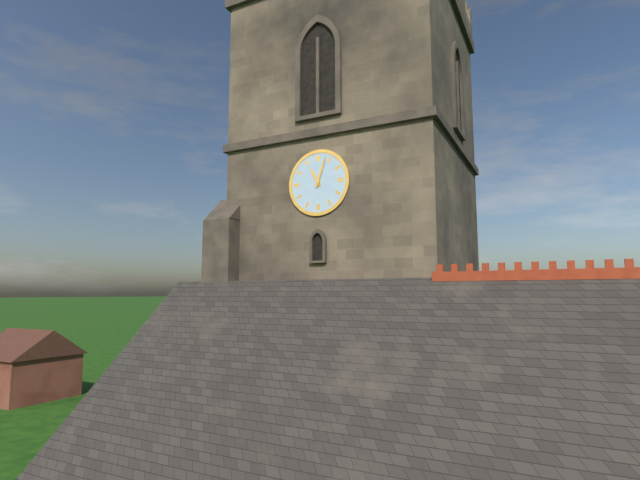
**11:03**
